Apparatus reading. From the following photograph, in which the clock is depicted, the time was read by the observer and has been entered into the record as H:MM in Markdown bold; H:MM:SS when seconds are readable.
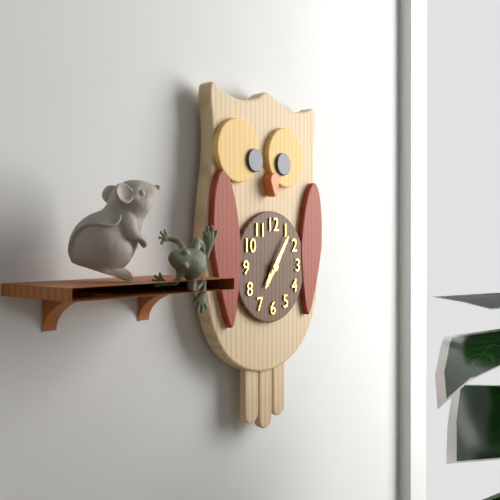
**7:06**
